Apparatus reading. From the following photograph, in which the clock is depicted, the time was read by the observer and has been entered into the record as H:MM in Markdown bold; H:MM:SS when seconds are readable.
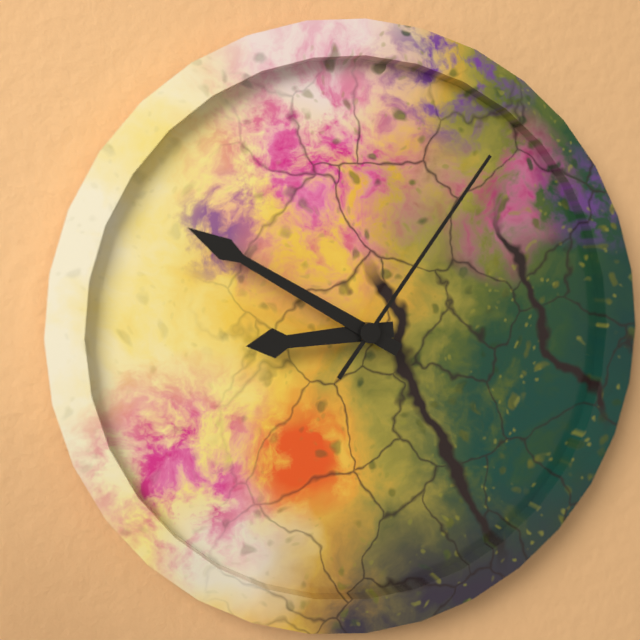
**8:50:06**
